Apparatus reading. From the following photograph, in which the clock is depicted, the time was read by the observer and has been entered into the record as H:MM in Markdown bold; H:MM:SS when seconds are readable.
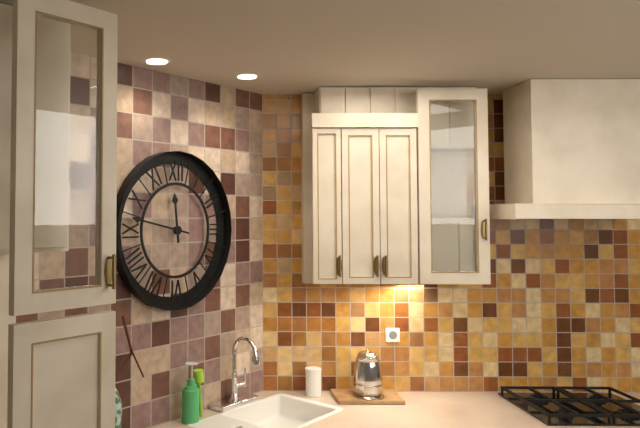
**11:47**
